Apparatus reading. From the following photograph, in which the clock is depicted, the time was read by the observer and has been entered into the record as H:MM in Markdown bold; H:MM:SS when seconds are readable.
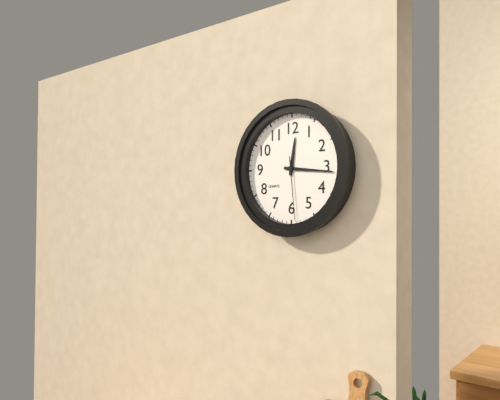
**12:16:29**
